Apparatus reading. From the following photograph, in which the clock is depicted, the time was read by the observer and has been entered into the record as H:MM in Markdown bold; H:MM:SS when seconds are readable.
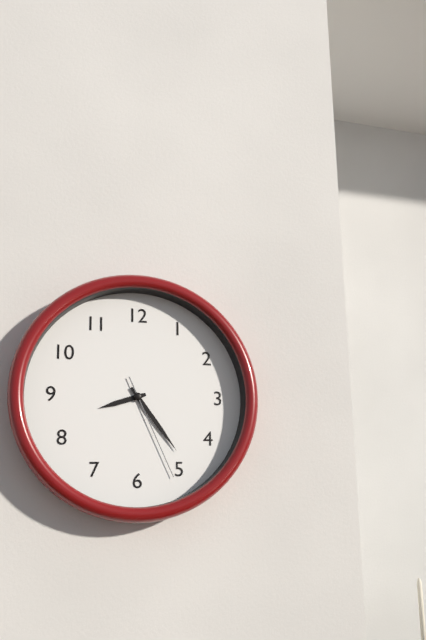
**8:24:26**
